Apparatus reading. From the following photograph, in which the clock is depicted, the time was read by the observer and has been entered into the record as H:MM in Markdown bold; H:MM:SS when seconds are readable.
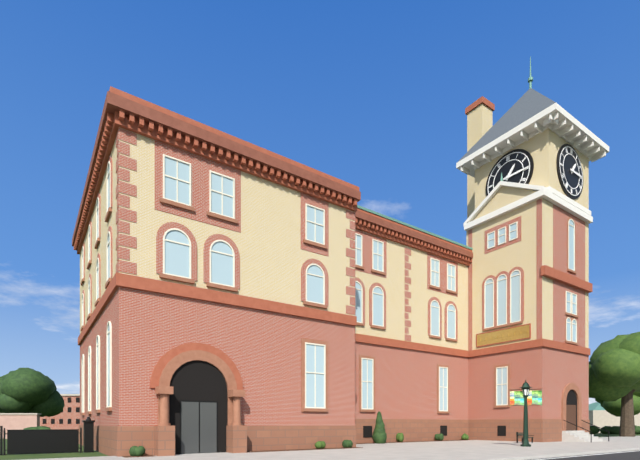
**1:15**
